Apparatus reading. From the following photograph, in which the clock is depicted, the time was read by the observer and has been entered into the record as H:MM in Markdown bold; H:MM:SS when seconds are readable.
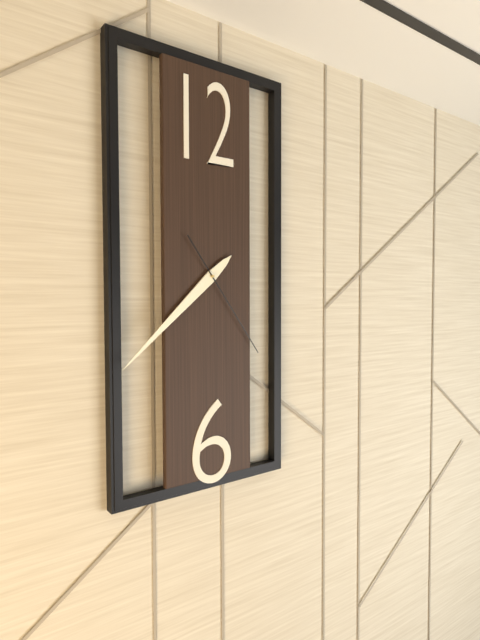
**7:38:24**
